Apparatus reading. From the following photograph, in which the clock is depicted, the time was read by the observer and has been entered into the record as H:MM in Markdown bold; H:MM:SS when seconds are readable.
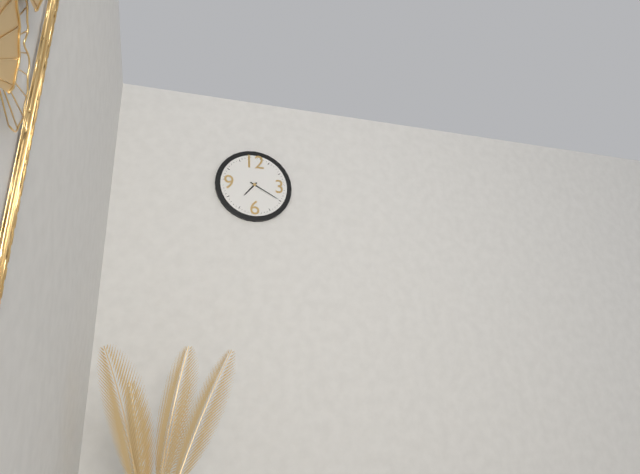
**7:20**
